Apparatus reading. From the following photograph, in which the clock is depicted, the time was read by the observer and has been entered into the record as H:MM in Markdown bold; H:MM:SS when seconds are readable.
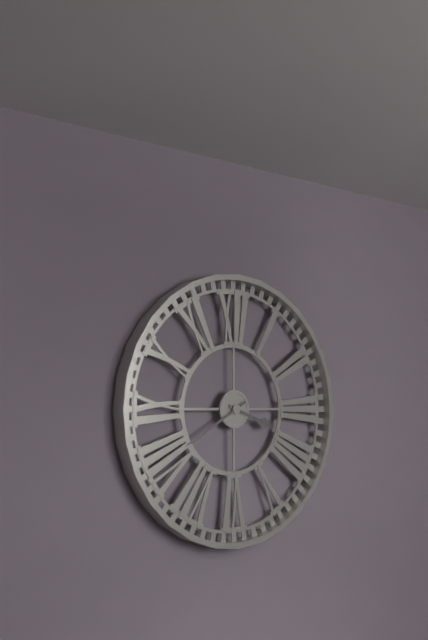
**3:40**
